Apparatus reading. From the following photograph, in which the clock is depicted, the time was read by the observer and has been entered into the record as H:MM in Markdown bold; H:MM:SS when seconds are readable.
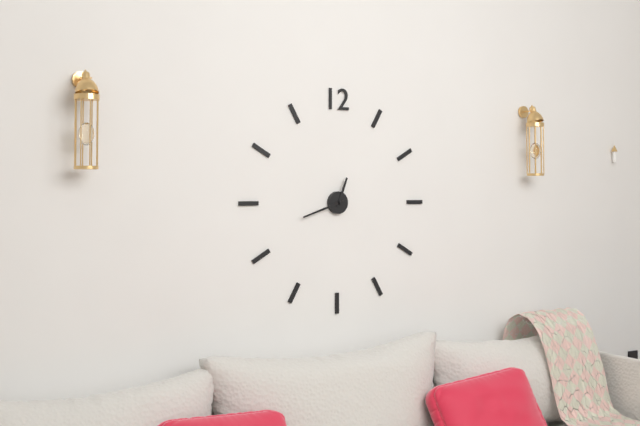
**12:42**
